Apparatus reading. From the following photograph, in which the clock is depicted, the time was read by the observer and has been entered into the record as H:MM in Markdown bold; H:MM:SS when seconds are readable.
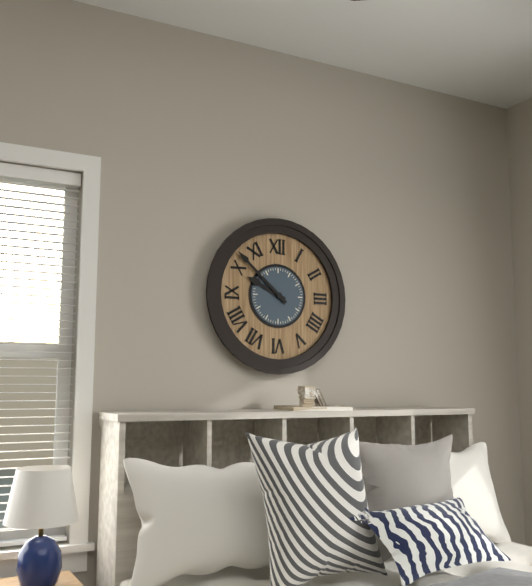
**9:52**
